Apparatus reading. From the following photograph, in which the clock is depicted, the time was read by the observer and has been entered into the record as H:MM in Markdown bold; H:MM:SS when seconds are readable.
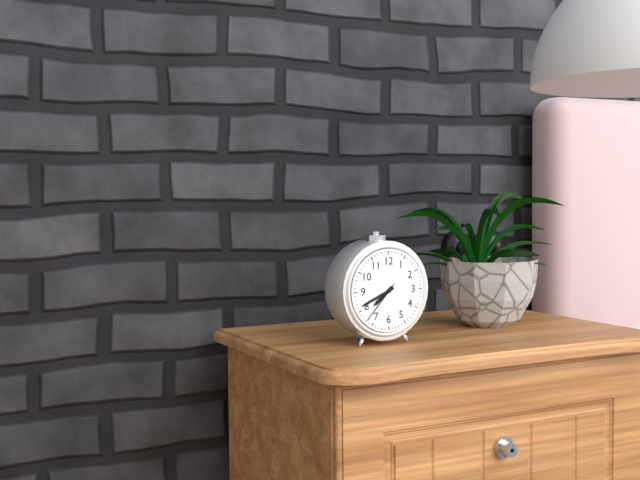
**7:41**
